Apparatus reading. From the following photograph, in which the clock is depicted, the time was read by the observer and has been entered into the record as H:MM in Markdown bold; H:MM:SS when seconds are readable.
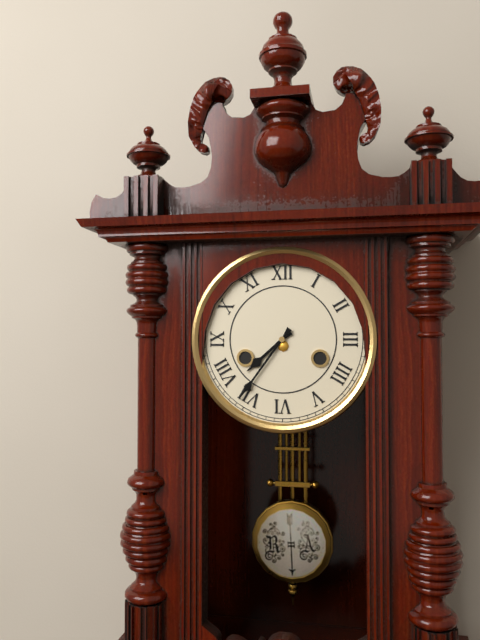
**7:36**
